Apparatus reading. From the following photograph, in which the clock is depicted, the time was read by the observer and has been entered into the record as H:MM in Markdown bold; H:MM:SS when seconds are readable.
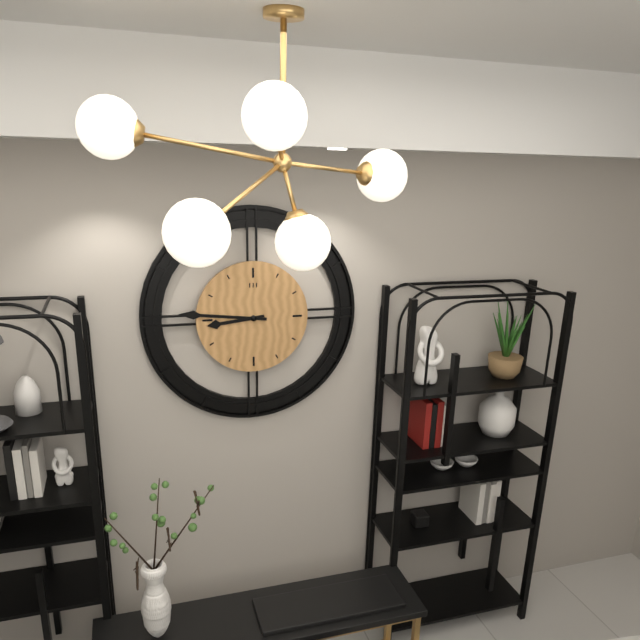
**8:46**
